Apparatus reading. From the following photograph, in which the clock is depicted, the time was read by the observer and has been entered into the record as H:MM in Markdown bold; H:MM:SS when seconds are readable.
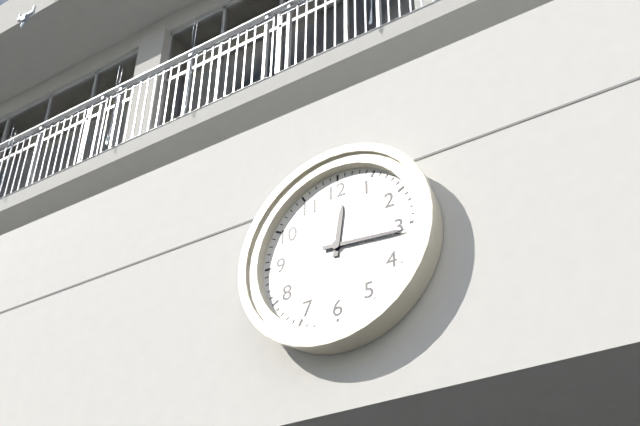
**12:16**
